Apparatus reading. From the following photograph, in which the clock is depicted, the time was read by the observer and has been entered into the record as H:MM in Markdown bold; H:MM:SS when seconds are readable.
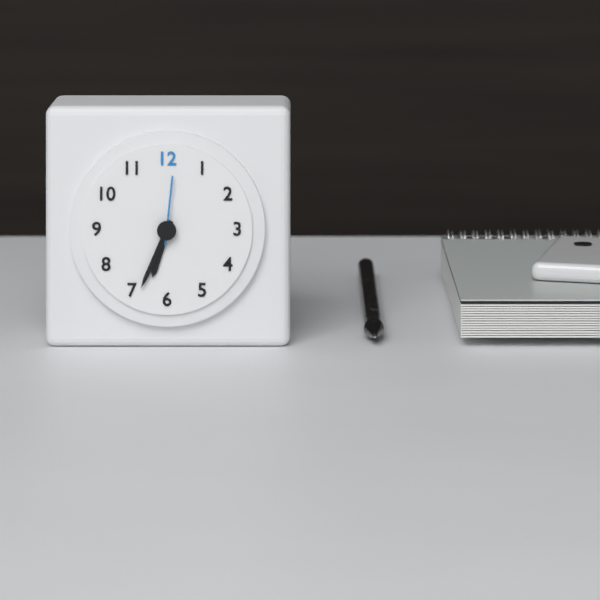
**6:34:01**
